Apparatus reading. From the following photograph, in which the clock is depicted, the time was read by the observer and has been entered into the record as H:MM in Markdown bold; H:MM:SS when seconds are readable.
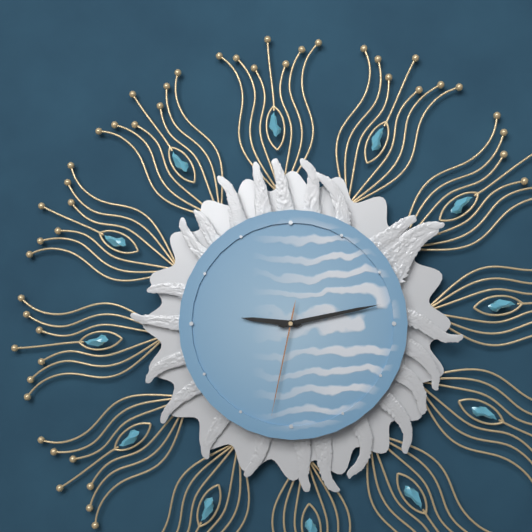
**9:13:32**
